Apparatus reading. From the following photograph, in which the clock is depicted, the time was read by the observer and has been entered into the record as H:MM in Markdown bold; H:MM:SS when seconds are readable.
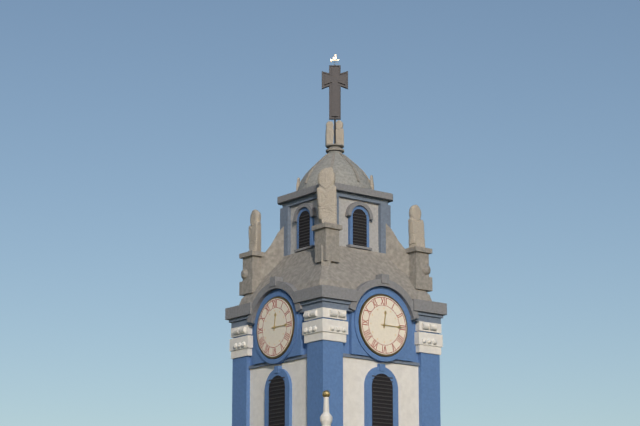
**12:15**
